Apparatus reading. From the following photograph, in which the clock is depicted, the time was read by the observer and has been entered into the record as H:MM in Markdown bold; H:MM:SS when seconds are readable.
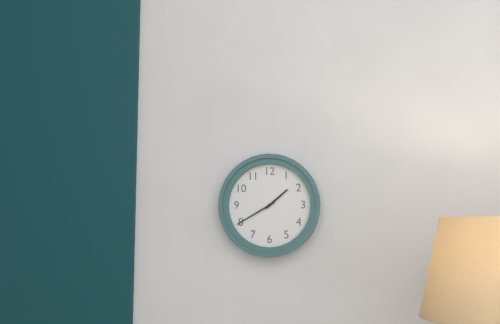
**1:40**
